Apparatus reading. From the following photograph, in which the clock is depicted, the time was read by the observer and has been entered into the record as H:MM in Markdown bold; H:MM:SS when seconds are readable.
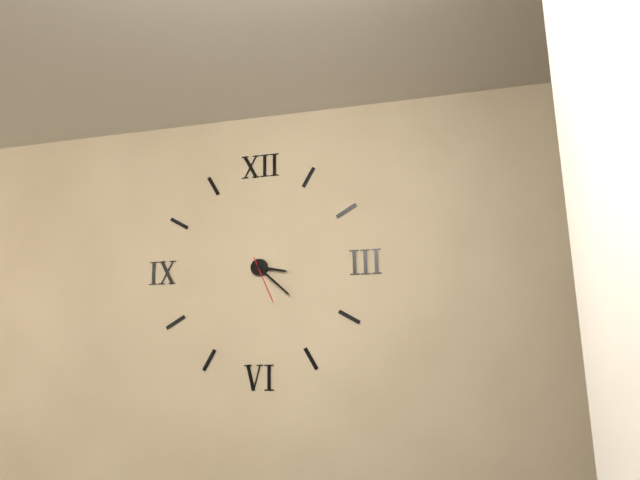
**3:22**
